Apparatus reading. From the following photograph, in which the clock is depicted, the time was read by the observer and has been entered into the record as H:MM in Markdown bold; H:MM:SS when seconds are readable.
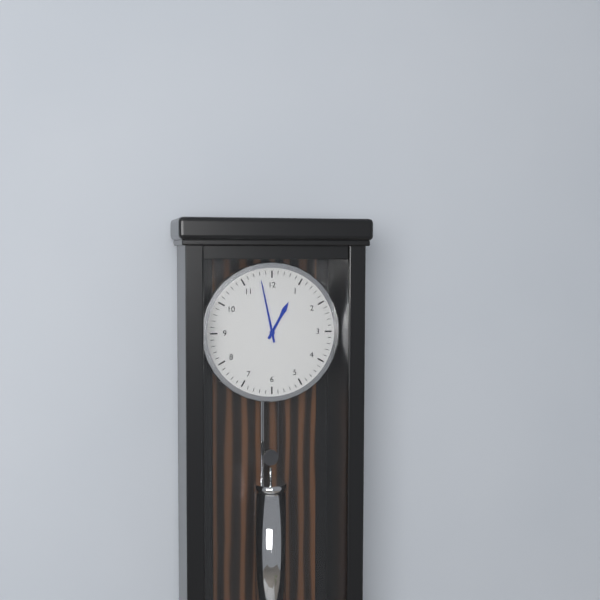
**12:58**
